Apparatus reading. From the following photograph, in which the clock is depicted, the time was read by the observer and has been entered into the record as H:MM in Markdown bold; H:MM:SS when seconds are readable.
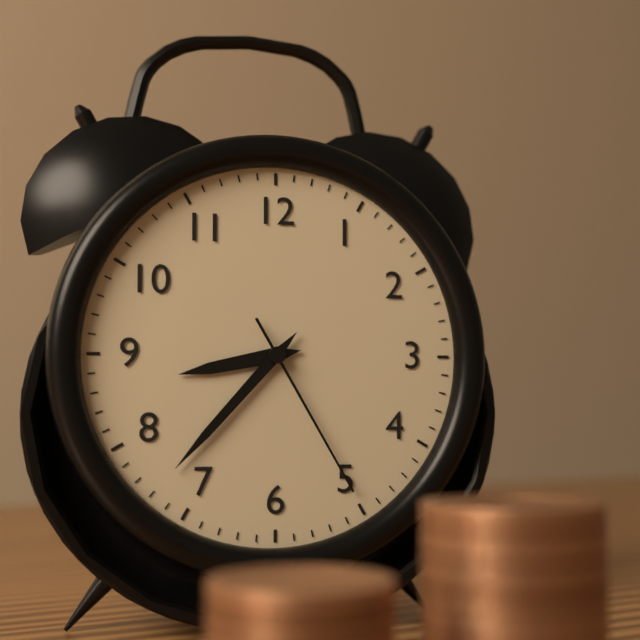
**8:37:25**
